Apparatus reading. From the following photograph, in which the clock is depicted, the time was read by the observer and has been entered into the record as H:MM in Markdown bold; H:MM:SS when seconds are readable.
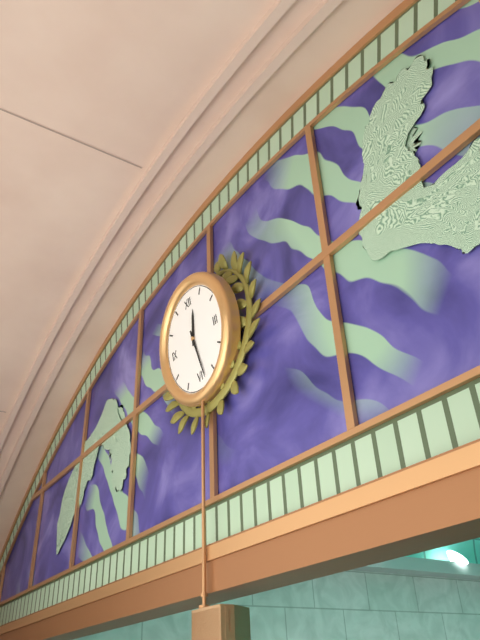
**12:28**
